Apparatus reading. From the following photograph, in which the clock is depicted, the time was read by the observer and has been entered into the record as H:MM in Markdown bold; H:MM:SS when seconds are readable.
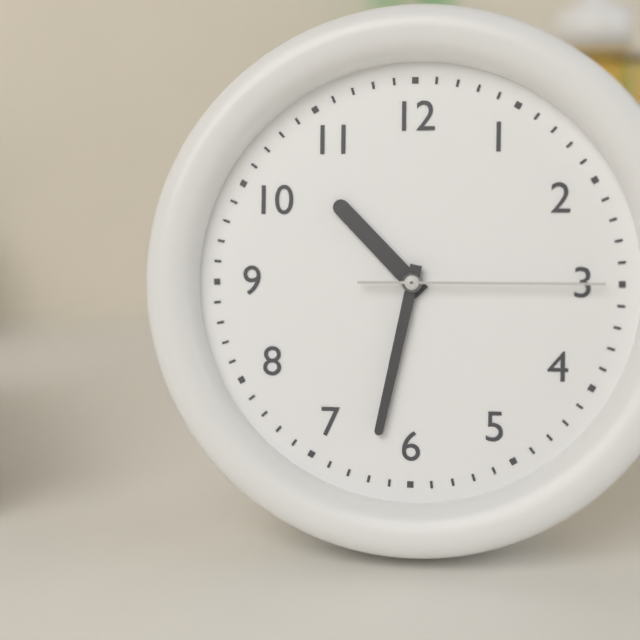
**10:32:15**
